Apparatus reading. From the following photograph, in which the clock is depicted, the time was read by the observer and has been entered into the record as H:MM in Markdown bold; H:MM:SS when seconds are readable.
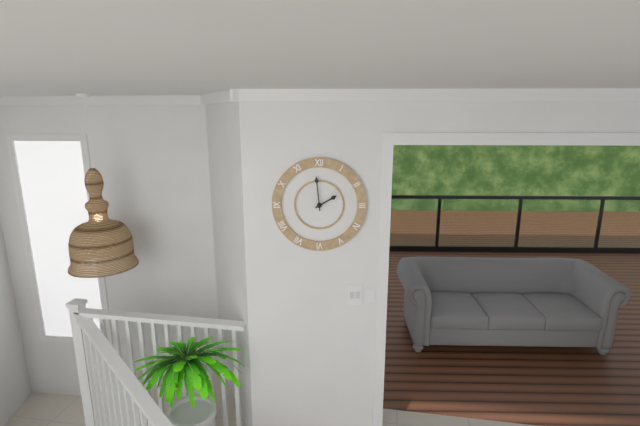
**1:59**
